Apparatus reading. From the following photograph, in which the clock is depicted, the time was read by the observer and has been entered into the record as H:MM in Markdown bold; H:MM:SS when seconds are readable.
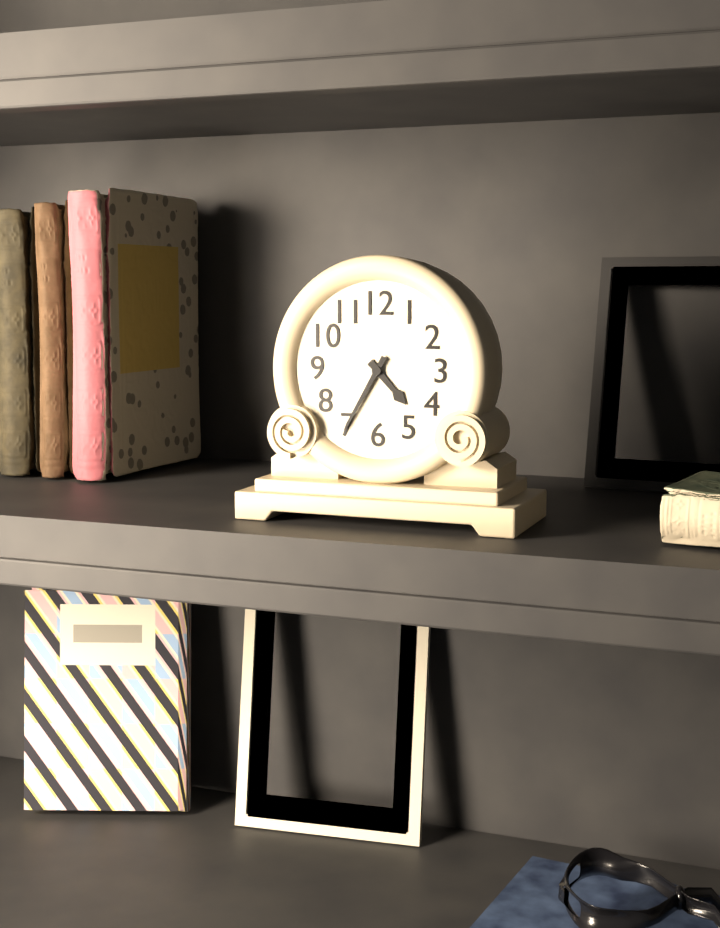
**4:35**
